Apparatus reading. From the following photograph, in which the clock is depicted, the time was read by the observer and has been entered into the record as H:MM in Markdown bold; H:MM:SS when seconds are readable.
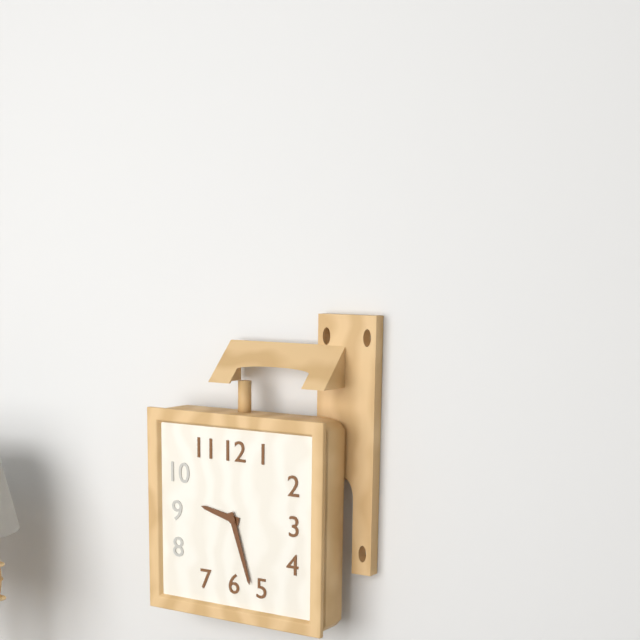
**9:27**
